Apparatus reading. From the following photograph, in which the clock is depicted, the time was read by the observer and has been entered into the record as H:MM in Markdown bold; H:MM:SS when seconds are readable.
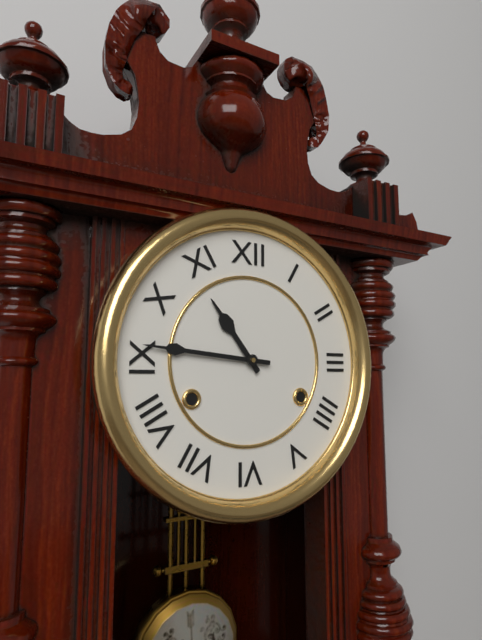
**10:46**
